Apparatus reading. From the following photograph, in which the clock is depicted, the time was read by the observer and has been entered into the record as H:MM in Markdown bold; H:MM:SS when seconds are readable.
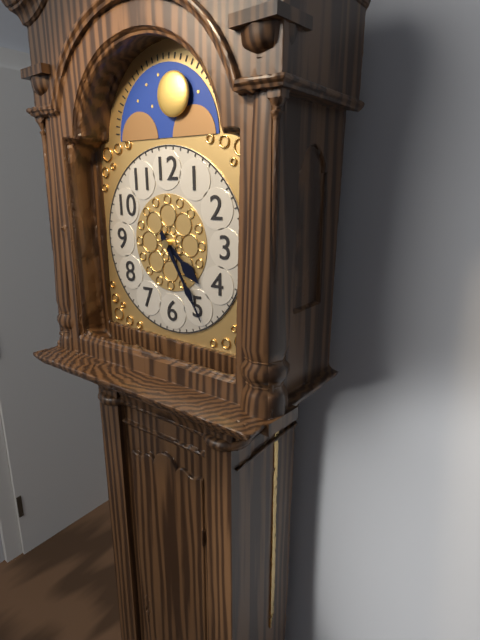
**4:25**
